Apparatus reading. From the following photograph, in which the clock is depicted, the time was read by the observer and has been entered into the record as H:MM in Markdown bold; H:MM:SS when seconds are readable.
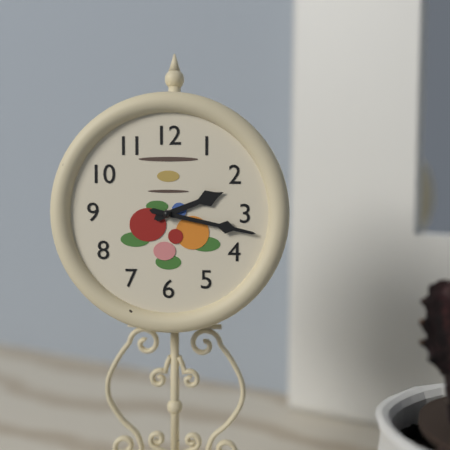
**2:17**
